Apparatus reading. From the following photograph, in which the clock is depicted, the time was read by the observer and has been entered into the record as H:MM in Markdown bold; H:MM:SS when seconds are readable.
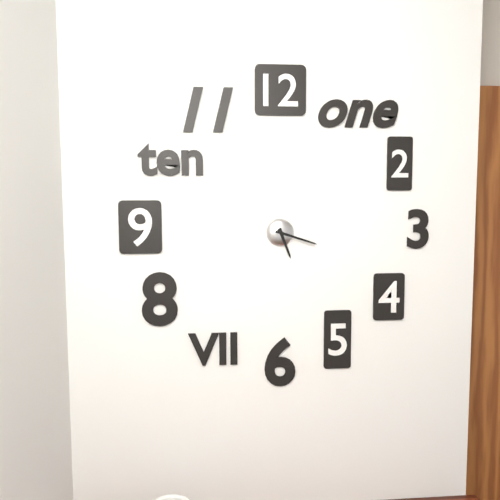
**5:18**
